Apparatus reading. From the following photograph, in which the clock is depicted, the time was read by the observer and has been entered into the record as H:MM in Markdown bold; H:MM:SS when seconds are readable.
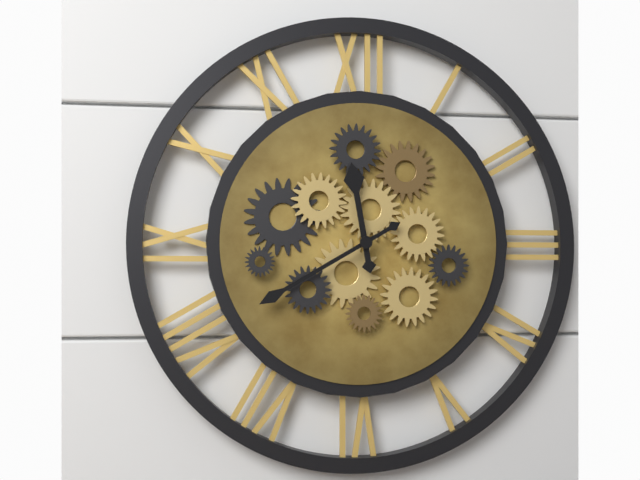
**11:40**
